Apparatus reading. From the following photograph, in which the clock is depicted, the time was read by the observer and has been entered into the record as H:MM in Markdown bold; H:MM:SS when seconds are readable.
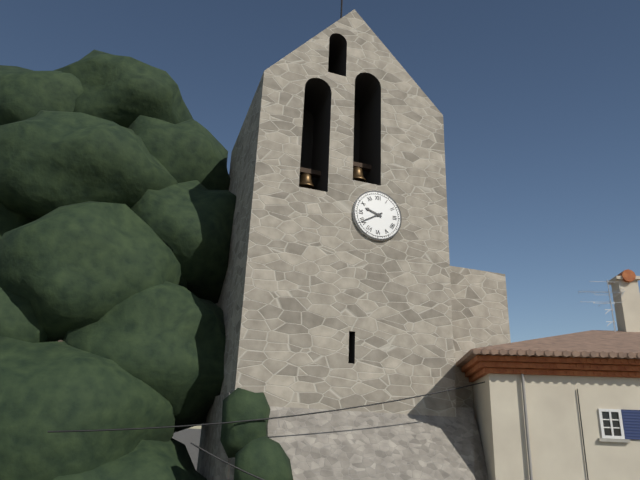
**9:40**
